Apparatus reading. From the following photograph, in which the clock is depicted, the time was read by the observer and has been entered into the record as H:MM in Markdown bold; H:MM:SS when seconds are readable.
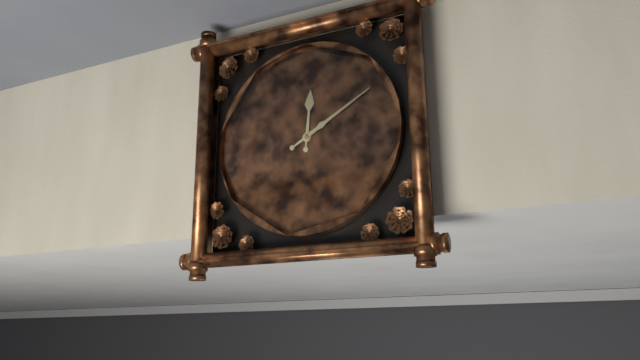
**12:10**
